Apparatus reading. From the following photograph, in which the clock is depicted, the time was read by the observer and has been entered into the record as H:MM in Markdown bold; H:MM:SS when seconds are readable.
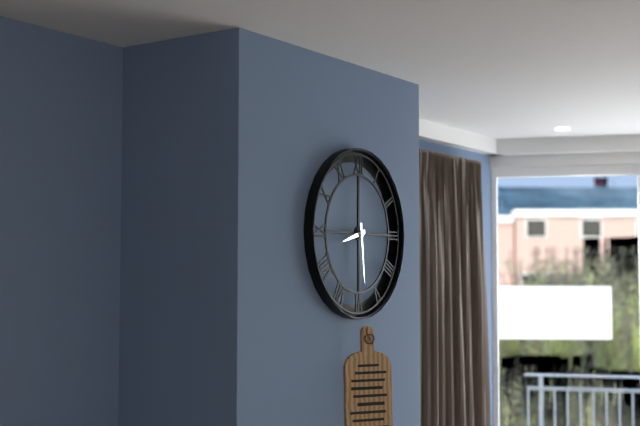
**8:29**
